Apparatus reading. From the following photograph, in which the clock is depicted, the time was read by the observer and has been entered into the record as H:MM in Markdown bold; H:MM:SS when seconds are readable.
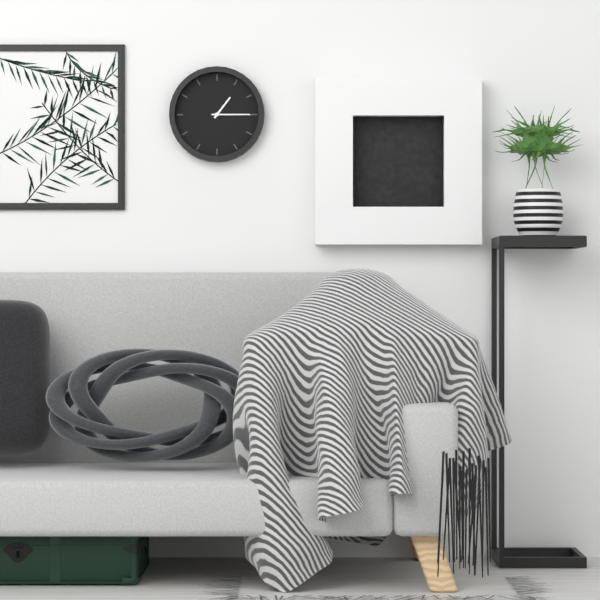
**1:15**
